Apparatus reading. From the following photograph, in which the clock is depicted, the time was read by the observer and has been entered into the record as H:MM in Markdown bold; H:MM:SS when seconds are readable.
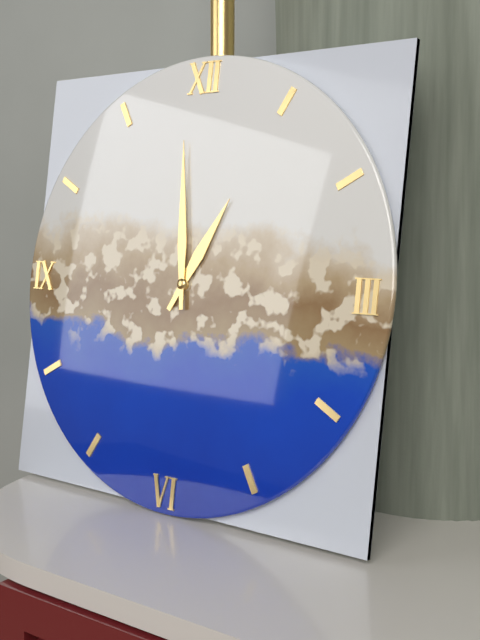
**12:59**
